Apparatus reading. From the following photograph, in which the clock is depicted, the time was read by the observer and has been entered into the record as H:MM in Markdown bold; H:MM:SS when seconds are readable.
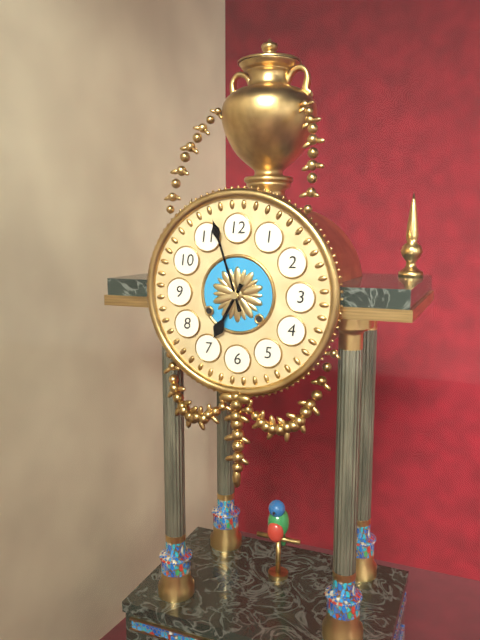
**6:57**
